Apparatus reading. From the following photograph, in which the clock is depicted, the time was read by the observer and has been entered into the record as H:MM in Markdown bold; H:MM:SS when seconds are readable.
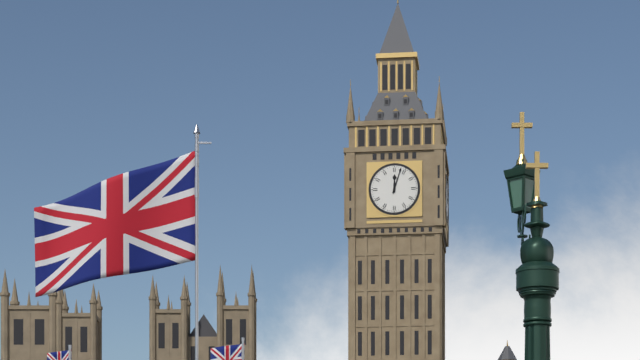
**12:03**
